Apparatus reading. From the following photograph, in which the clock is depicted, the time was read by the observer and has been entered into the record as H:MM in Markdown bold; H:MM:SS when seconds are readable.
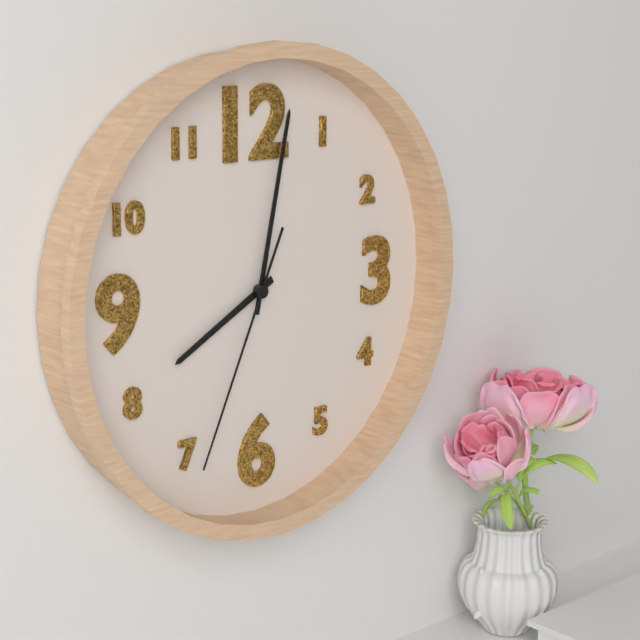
**8:02:34**
